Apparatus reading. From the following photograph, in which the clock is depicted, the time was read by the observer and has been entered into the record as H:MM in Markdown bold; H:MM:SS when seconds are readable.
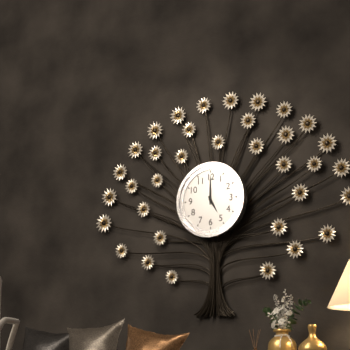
**5:00**
